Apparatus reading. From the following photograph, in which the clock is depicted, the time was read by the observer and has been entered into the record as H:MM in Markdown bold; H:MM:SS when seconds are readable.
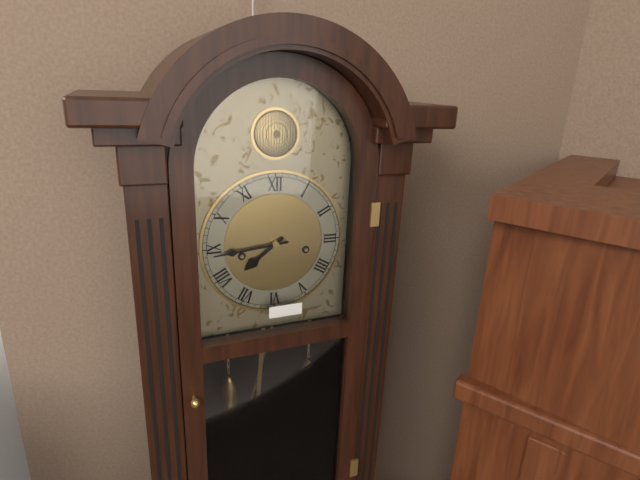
**7:44**
